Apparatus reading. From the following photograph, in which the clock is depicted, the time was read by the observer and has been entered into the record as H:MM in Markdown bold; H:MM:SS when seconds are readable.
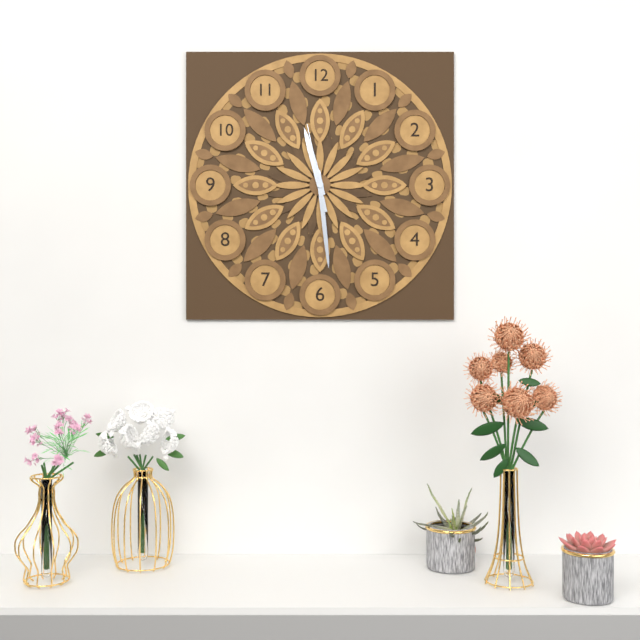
**11:29:58**
